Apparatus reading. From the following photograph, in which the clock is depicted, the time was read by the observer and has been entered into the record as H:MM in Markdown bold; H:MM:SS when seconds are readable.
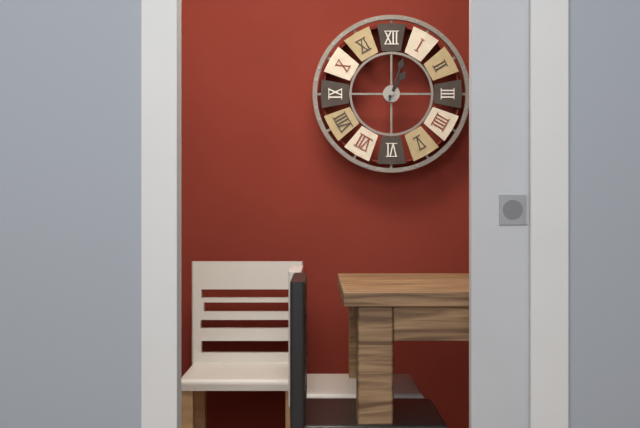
**1:03**
